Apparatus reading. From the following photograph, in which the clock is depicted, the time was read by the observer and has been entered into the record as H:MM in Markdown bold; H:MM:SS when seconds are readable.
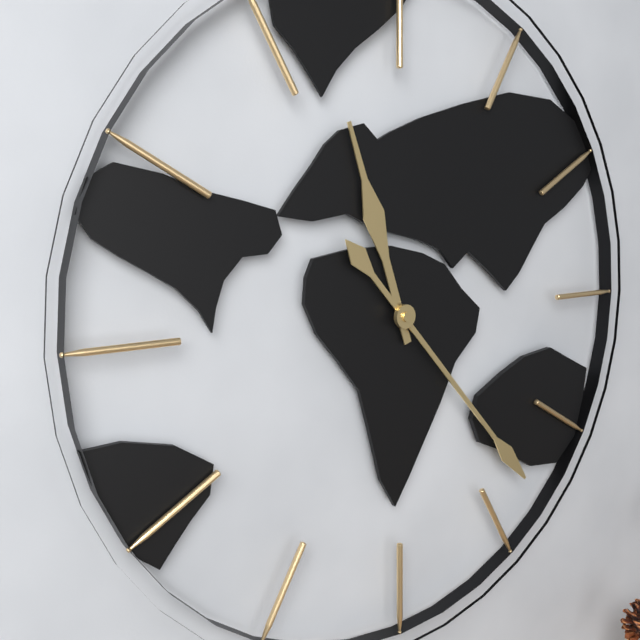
**11:23**
